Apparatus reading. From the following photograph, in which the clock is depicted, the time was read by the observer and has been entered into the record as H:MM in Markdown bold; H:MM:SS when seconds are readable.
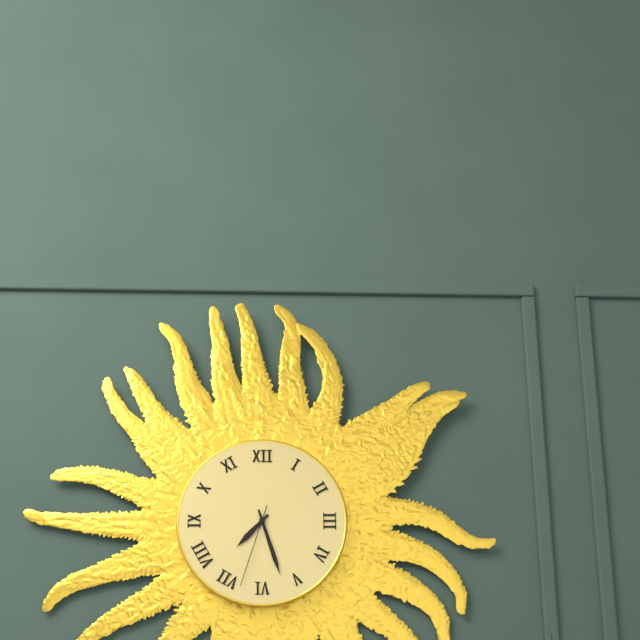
**7:27:33**
